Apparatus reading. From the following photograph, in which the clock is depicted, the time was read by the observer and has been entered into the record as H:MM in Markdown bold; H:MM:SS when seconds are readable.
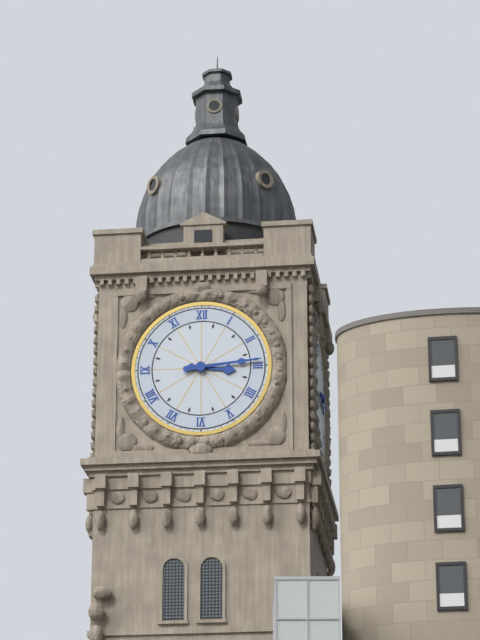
**3:14**
